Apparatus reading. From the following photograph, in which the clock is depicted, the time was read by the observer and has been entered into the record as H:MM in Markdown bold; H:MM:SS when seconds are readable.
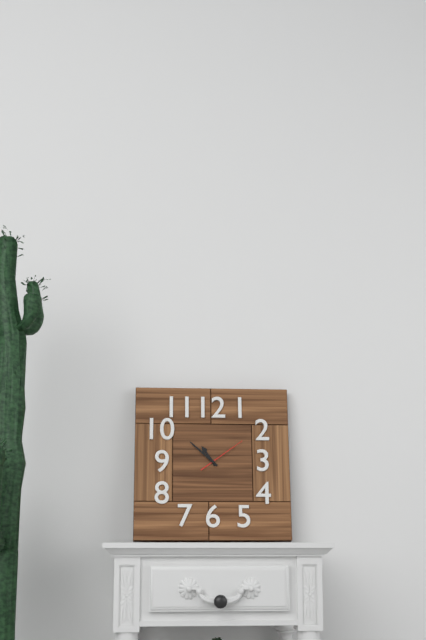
**10:52**
